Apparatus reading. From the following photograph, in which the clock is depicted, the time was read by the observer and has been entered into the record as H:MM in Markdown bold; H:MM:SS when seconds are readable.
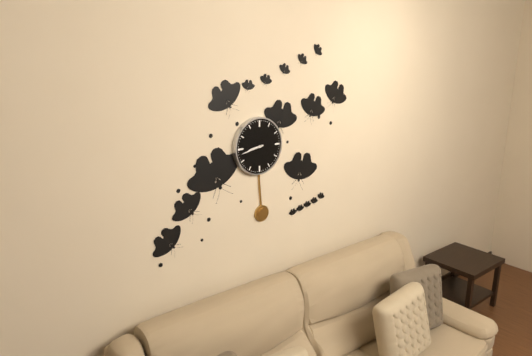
**8:43**
